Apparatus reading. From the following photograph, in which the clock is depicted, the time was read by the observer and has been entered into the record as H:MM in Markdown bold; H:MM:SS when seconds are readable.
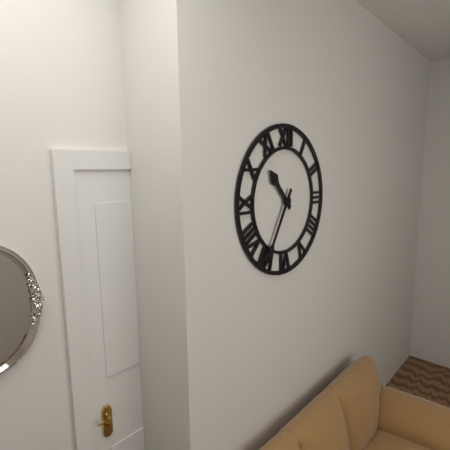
**10:35**
